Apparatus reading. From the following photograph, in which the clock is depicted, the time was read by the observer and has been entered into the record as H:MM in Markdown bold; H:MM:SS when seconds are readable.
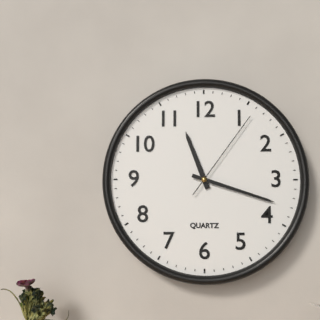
**11:18:06**
